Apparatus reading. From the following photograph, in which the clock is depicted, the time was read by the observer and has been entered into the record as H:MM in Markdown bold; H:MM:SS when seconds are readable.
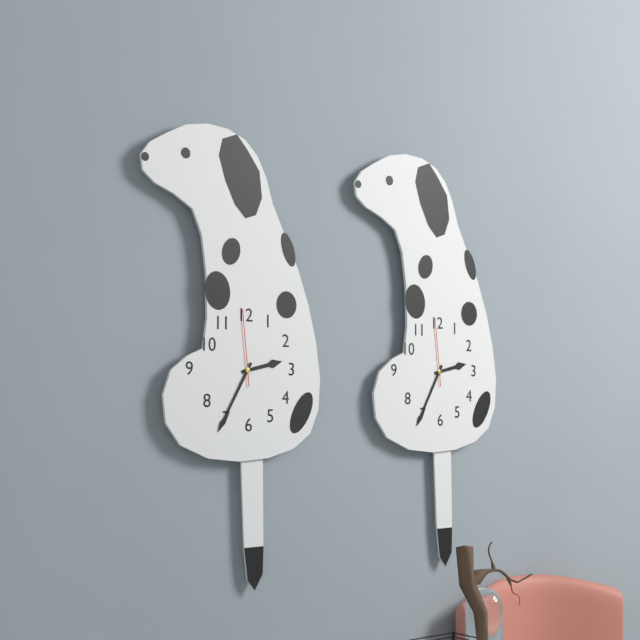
**2:35:59**
